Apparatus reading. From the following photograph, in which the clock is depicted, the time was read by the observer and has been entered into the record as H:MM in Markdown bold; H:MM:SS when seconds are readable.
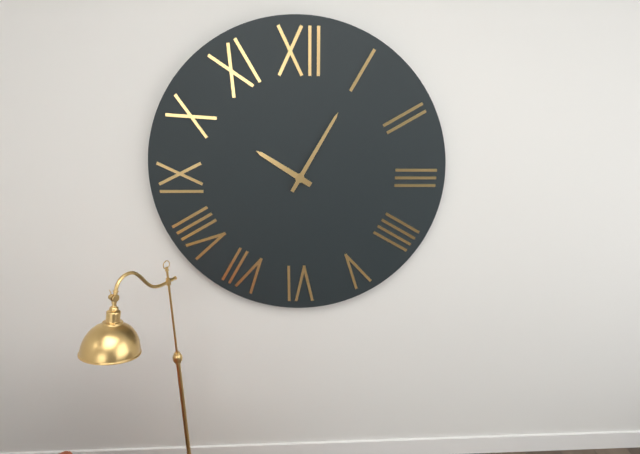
**10:05**
